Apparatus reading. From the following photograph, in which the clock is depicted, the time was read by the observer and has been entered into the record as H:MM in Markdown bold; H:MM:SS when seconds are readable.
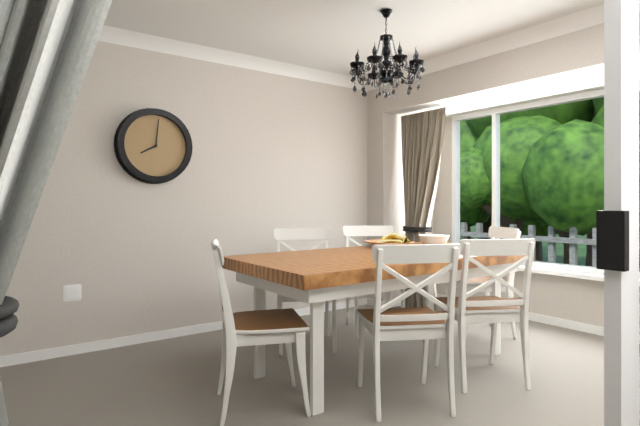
**8:01**
